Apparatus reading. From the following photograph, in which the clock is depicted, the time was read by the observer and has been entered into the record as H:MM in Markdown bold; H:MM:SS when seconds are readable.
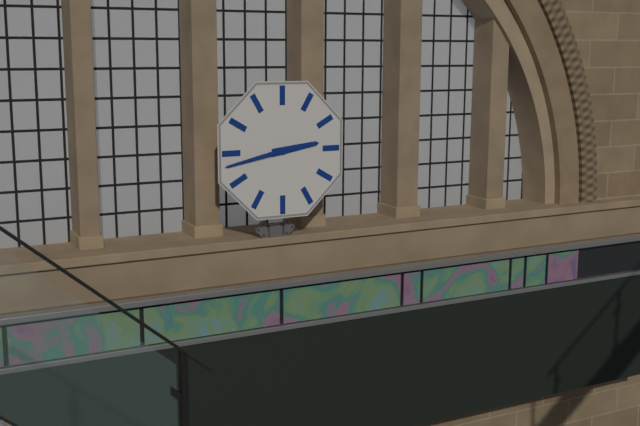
**2:43**
